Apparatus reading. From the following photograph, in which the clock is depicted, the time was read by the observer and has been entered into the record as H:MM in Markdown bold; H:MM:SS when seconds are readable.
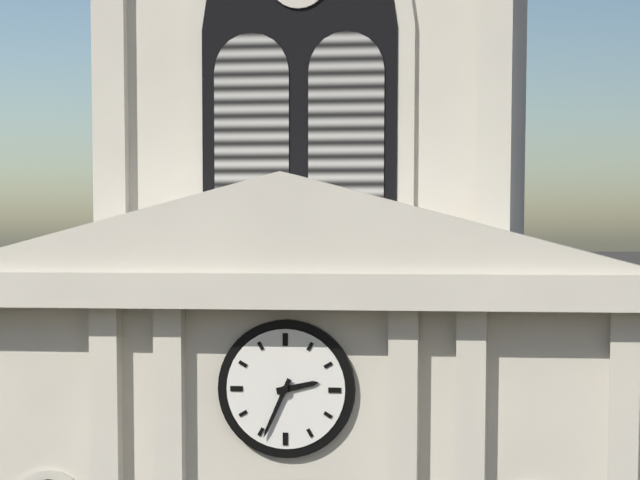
**2:34**
